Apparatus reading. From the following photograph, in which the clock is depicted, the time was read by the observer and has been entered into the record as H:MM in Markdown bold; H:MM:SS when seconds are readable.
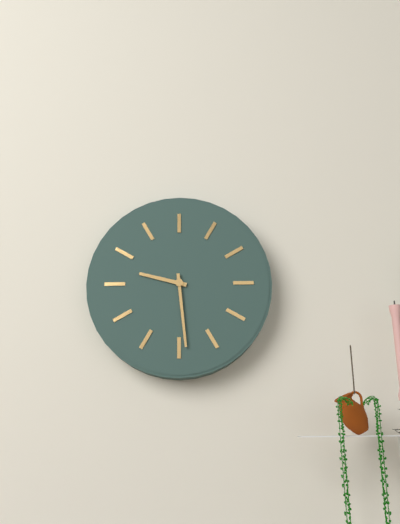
**9:29**
